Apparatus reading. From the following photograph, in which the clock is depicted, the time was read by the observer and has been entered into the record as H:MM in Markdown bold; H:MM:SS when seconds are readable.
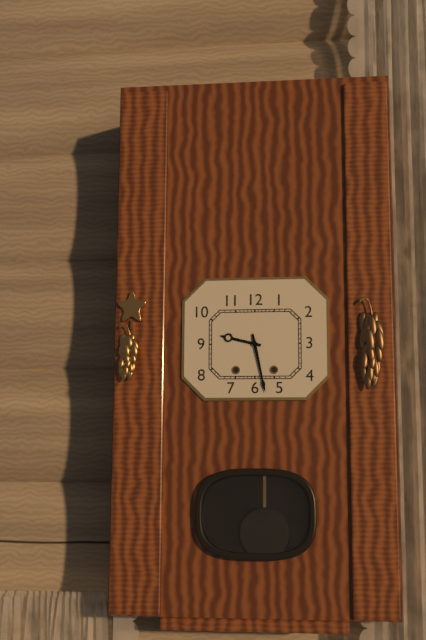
**9:28**
